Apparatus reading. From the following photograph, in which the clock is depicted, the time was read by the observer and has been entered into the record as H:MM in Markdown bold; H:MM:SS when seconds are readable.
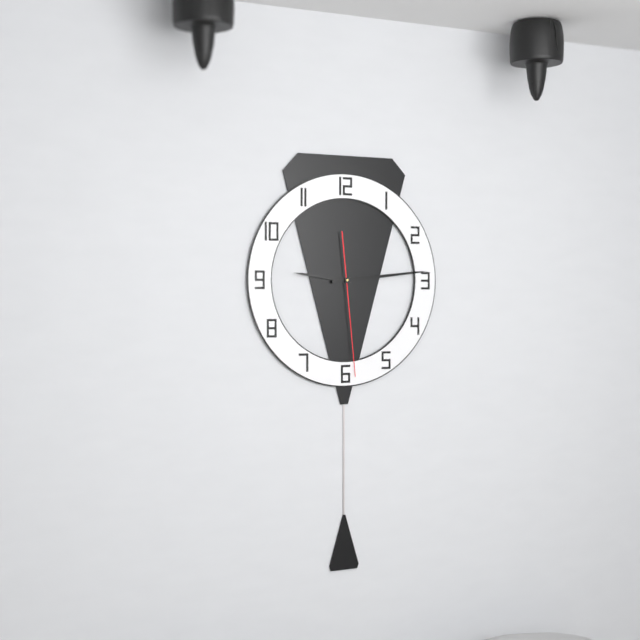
**9:14:29**
